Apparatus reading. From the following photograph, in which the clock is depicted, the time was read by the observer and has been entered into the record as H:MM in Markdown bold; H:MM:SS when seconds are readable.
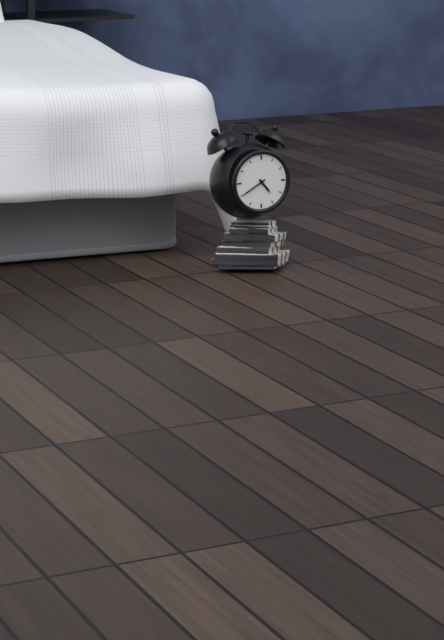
**4:40**
